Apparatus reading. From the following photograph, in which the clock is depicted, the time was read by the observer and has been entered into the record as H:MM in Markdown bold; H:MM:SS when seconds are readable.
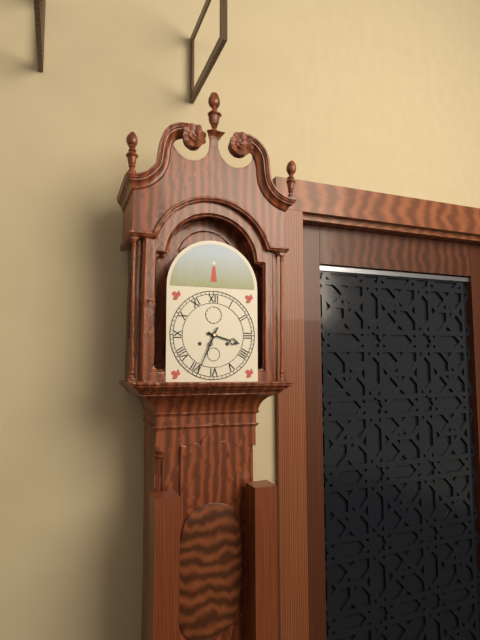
**3:34**
